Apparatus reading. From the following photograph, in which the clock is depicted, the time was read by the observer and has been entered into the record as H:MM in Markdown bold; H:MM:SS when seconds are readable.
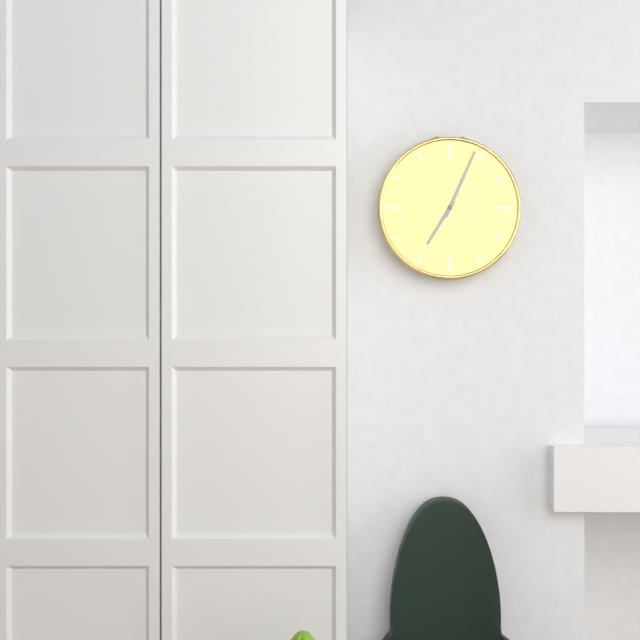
**7:04**
